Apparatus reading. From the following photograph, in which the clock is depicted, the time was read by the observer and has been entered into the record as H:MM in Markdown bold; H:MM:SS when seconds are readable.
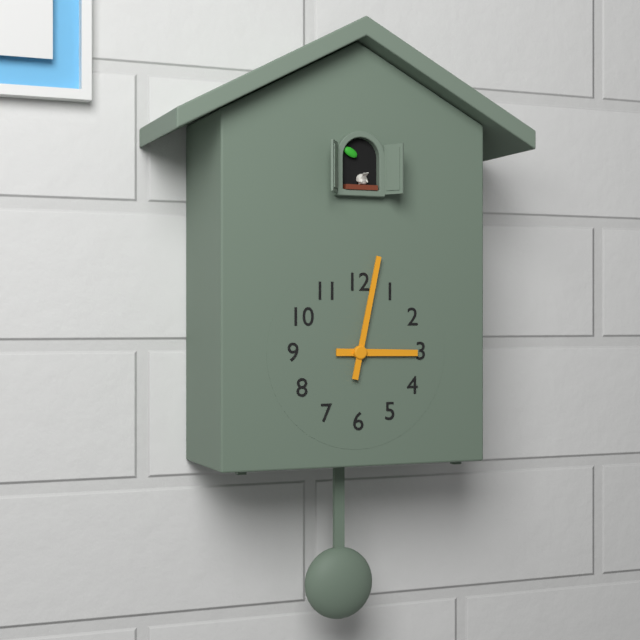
**3:02**
